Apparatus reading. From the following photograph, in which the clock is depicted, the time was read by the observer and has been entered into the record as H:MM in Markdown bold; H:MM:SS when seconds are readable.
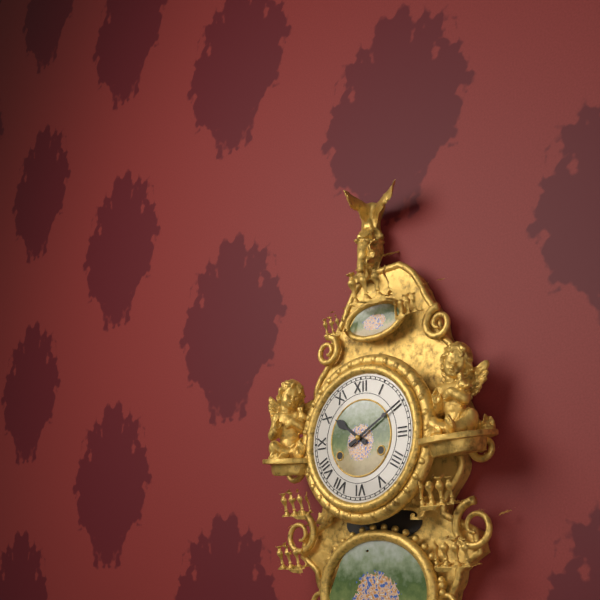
**10:10**
